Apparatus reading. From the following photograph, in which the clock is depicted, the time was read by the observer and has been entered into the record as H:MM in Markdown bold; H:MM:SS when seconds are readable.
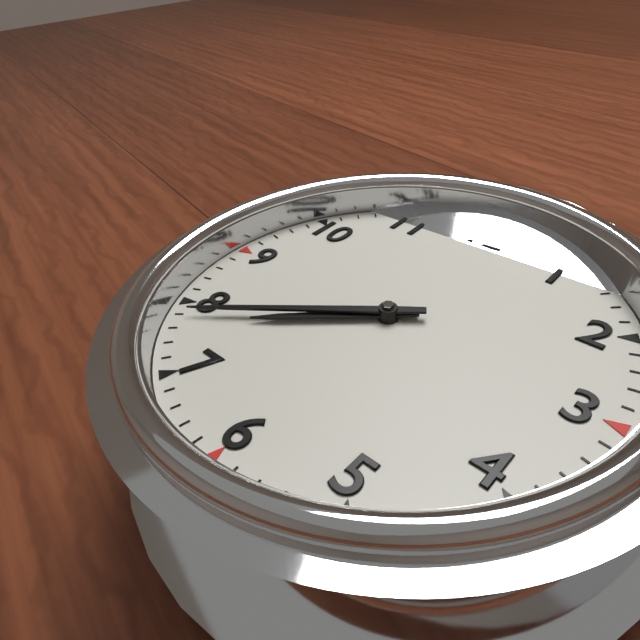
**7:39**
